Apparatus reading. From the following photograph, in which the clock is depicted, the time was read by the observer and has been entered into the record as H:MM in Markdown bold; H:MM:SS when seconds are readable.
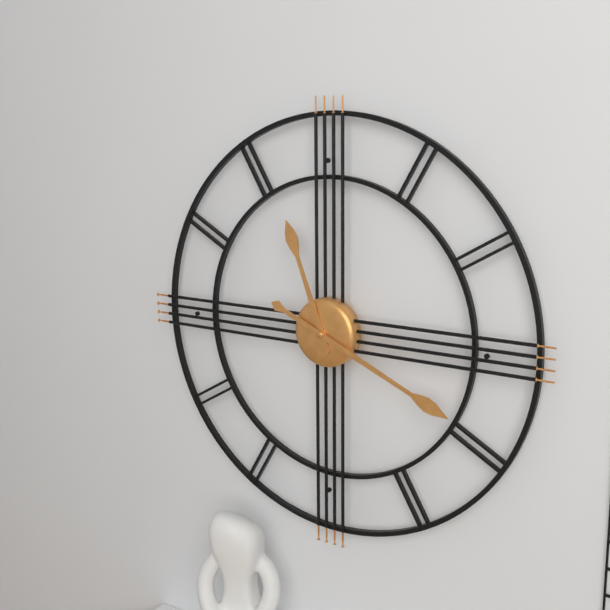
**11:19**
